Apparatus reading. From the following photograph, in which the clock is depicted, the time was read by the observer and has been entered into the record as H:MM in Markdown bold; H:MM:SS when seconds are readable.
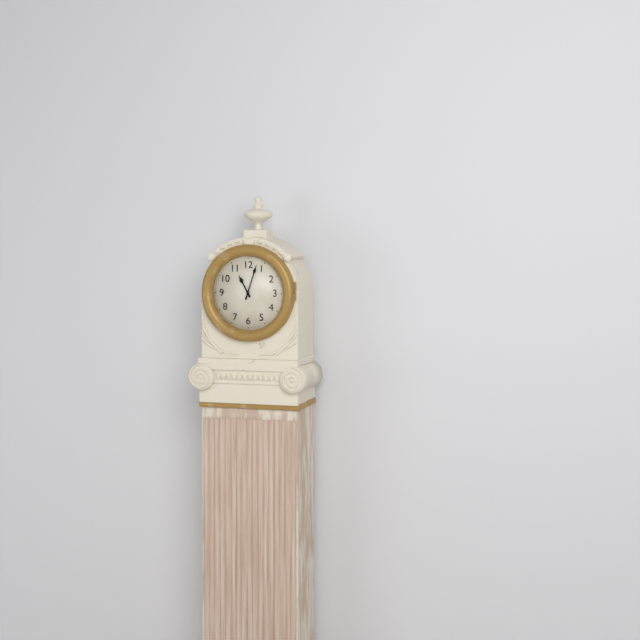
**11:03**
